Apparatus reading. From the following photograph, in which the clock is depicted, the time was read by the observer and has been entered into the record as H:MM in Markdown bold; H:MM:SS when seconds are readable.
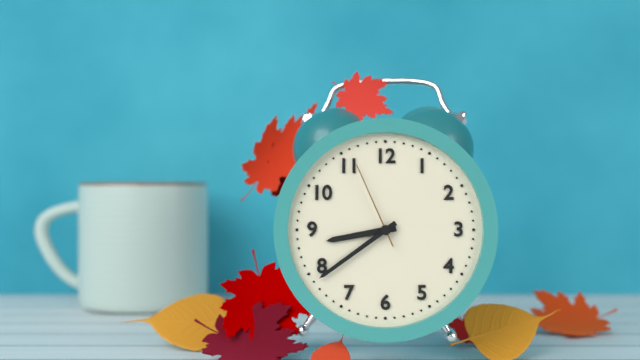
**8:39:56**
